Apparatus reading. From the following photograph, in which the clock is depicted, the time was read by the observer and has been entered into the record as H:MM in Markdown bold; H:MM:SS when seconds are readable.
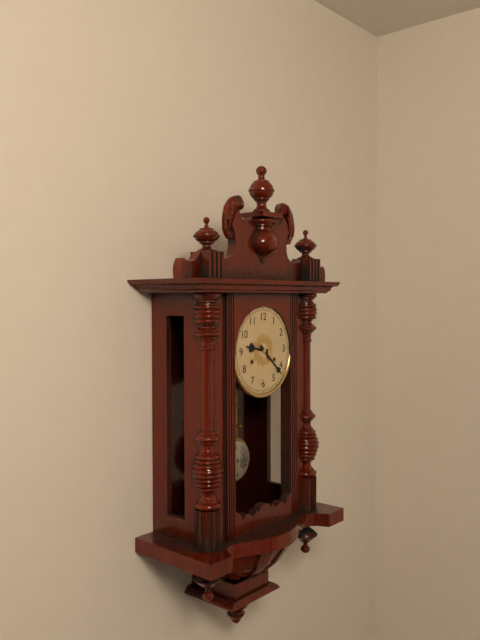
**9:22**
